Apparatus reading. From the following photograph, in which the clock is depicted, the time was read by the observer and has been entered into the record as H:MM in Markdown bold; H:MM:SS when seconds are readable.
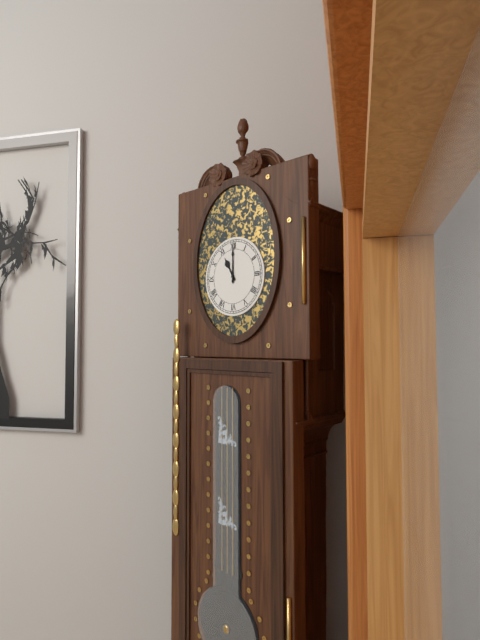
**11:00**
